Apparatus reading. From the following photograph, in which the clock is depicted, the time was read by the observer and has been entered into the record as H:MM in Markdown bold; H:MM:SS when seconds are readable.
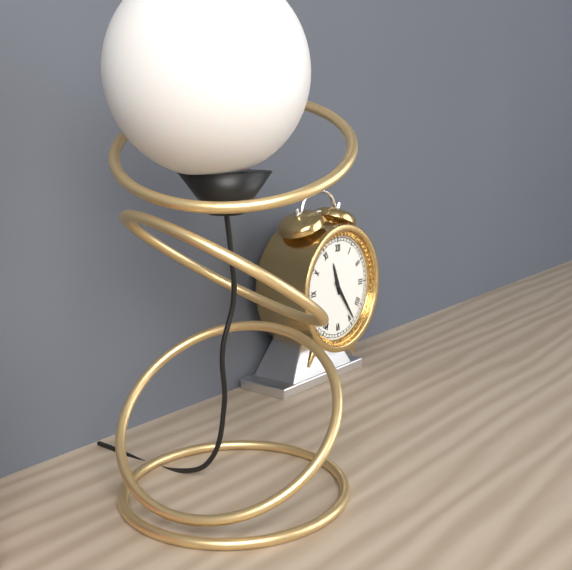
**11:24**
